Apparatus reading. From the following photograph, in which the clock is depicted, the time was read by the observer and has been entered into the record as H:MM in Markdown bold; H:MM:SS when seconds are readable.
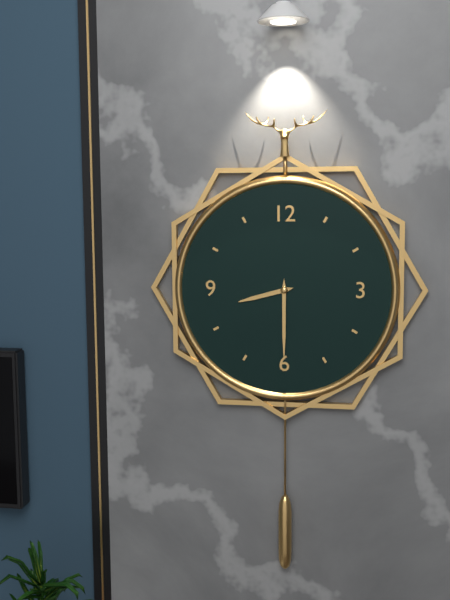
**8:30**
